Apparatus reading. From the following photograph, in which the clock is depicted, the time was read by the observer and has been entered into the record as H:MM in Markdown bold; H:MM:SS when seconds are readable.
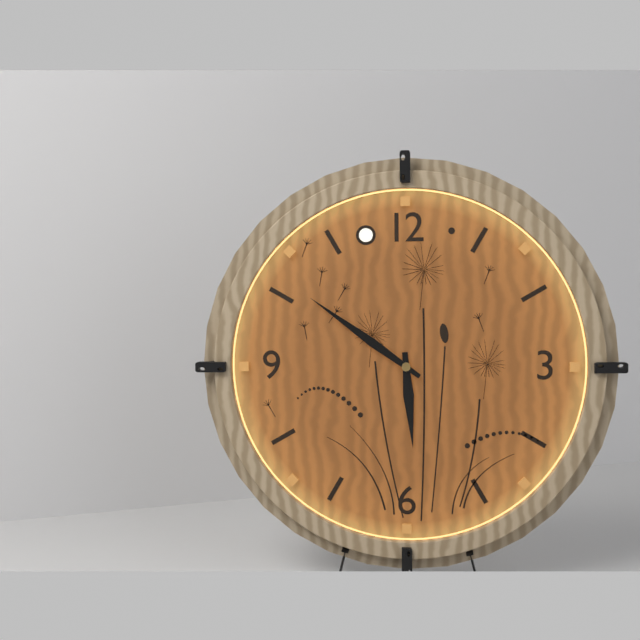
**5:51**
